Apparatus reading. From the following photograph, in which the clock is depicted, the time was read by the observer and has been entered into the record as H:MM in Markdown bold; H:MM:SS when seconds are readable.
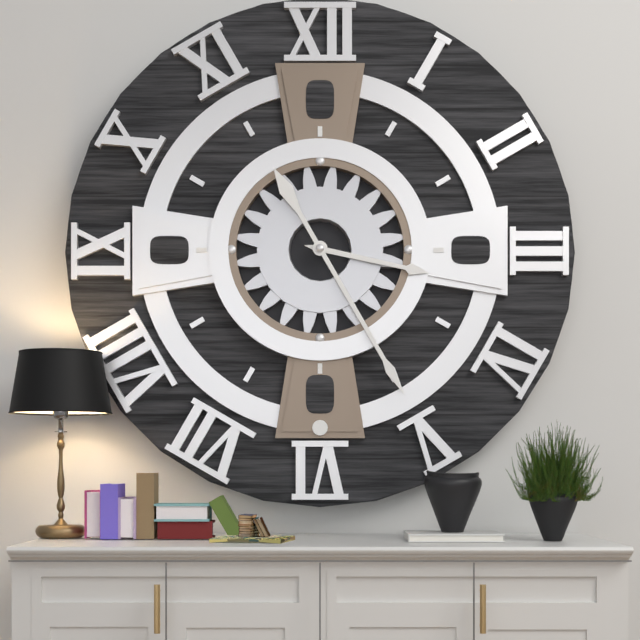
**3:25**
